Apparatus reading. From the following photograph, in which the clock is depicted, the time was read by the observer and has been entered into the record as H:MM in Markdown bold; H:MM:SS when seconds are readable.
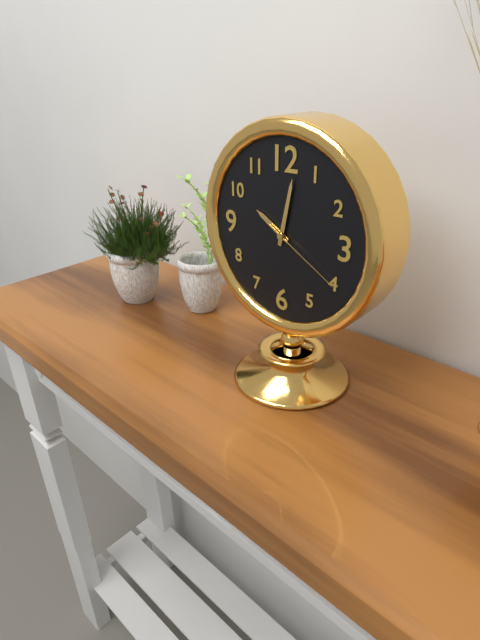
**10:02:20**
